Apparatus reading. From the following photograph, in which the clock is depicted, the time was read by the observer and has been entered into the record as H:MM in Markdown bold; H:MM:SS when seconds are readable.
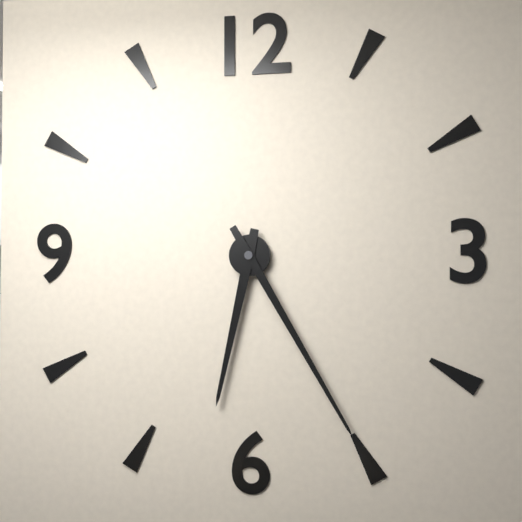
**6:25**
